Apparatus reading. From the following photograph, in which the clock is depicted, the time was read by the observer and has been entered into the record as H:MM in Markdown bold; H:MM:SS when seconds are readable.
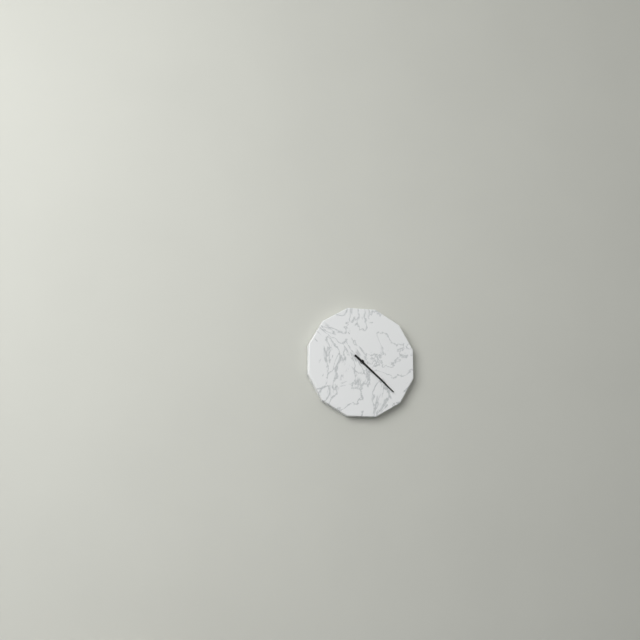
**4:22**
